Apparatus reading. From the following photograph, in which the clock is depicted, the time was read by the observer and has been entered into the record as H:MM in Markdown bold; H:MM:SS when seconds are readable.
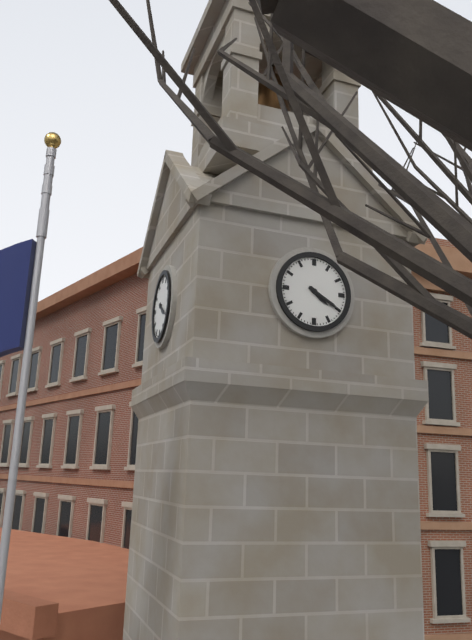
**4:20**
